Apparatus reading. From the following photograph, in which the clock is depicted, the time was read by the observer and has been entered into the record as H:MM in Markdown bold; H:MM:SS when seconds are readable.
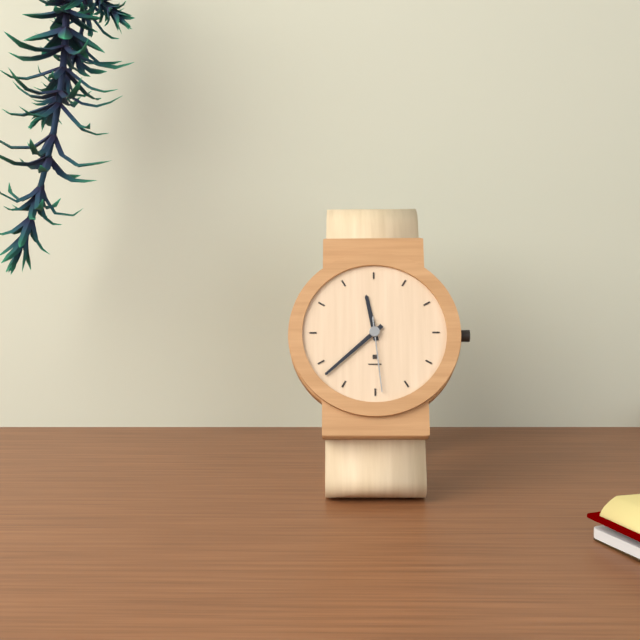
**11:38:29**
